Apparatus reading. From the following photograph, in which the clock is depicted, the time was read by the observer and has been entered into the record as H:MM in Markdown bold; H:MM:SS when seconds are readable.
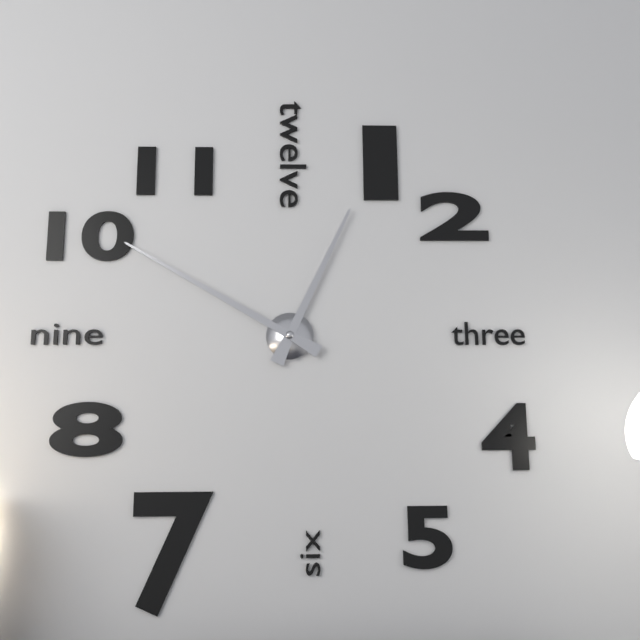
**12:50**
